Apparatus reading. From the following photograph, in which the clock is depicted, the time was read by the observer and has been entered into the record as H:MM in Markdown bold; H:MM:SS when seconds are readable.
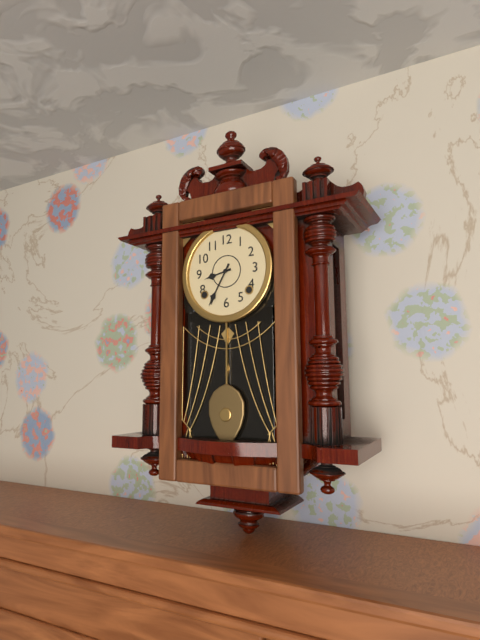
**8:35**
